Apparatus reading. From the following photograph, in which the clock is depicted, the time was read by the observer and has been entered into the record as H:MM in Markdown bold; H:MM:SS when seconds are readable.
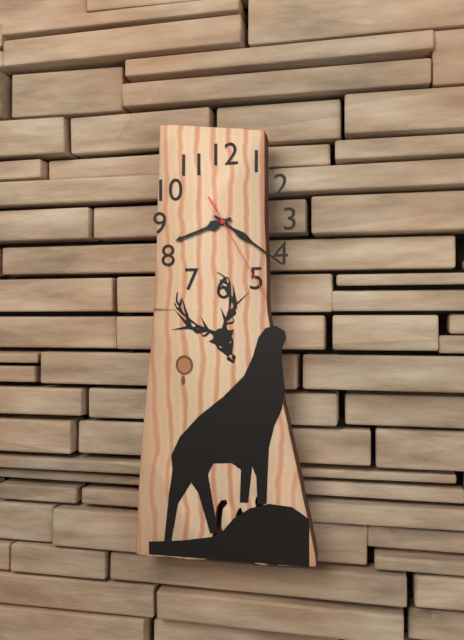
**8:21:25**
